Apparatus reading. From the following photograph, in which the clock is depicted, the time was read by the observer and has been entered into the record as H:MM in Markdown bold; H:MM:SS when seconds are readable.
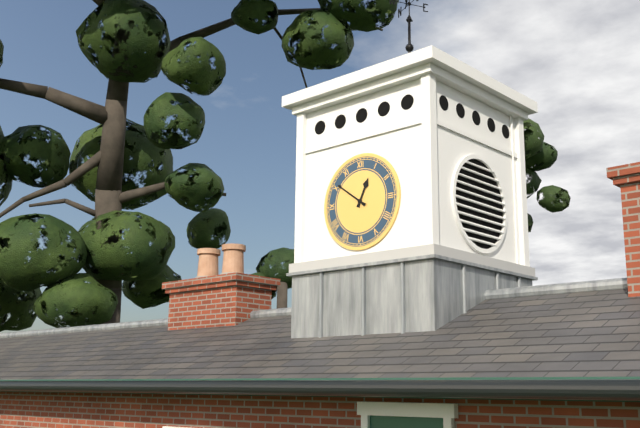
**12:51**
